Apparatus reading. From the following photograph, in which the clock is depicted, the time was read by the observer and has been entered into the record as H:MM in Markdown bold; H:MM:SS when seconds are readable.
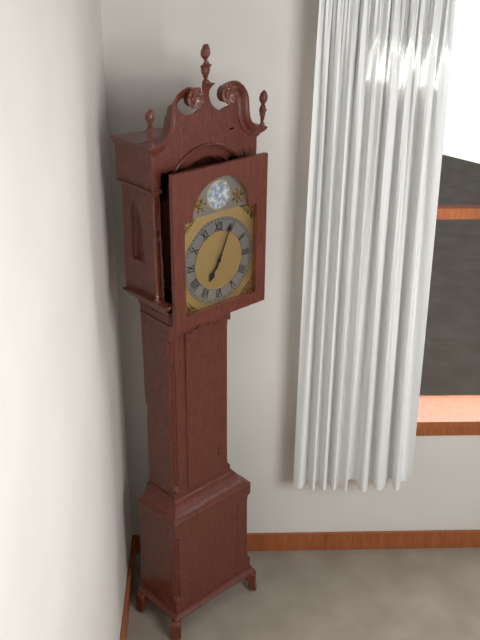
**7:04**
